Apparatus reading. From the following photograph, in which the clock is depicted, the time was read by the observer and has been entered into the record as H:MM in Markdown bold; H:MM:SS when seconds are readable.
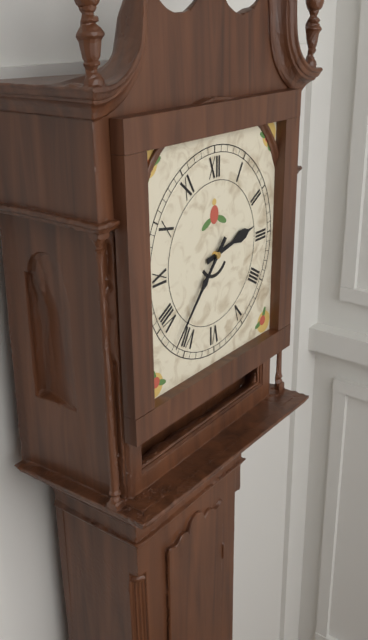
**2:37**
